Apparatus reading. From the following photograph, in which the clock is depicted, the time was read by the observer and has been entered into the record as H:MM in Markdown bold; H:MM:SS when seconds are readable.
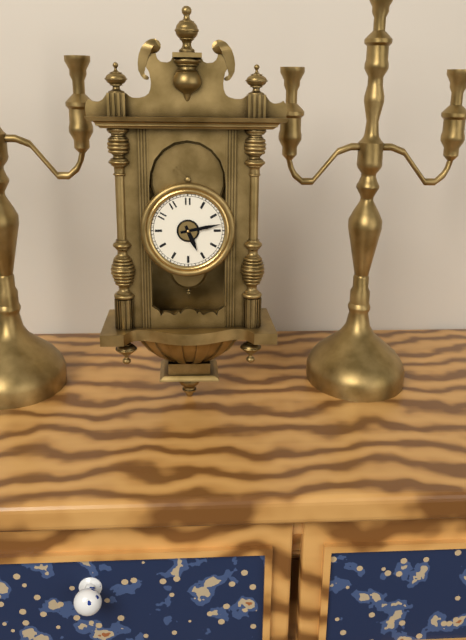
**5:13**
